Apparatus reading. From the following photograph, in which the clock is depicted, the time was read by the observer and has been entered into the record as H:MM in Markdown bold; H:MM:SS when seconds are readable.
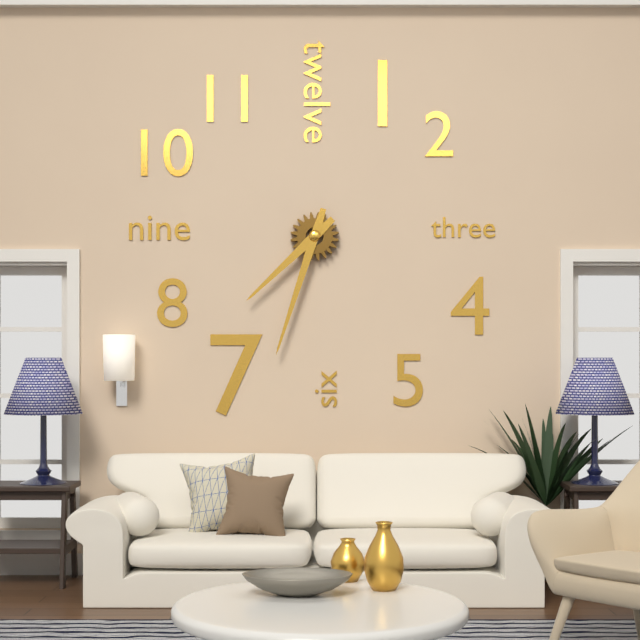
**7:33**
